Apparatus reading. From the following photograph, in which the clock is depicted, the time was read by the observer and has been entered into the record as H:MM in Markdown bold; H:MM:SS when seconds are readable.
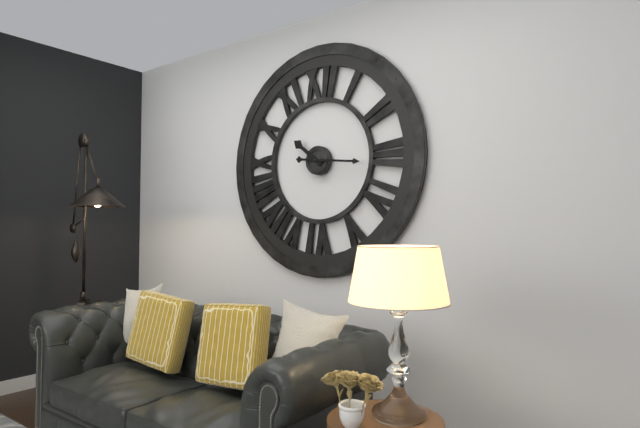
**10:16**
